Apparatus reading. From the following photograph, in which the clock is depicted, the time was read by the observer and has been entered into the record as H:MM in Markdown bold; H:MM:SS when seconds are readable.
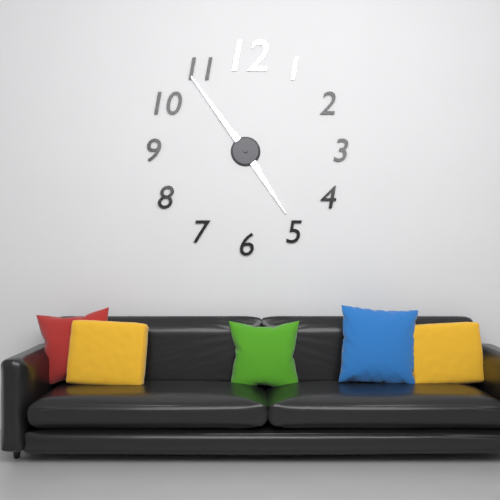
**4:54**
